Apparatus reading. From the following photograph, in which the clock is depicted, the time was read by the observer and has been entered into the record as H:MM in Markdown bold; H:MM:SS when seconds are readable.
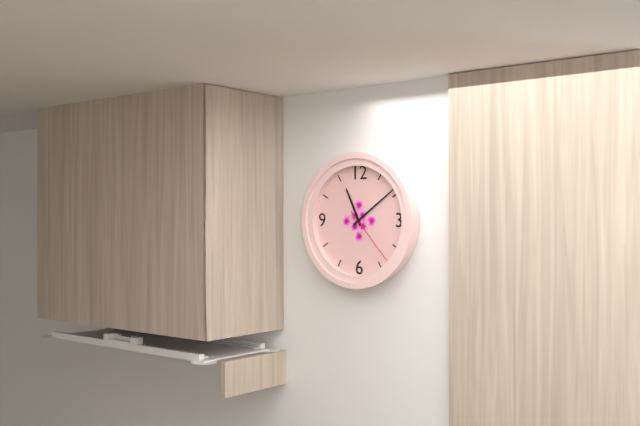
**11:09:23**
